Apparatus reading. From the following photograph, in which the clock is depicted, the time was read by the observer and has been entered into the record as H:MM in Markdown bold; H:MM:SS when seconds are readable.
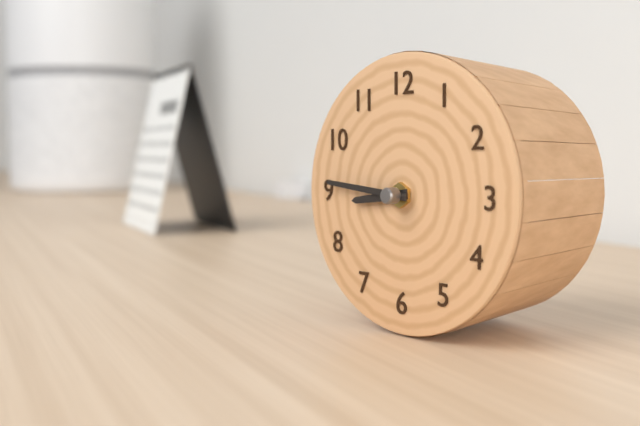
**8:46**
